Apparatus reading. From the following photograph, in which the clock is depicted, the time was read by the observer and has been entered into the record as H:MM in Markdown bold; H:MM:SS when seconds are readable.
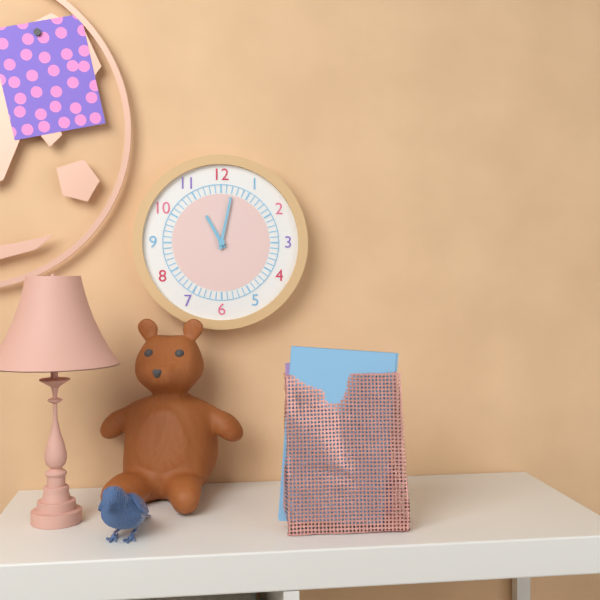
**11:02**
